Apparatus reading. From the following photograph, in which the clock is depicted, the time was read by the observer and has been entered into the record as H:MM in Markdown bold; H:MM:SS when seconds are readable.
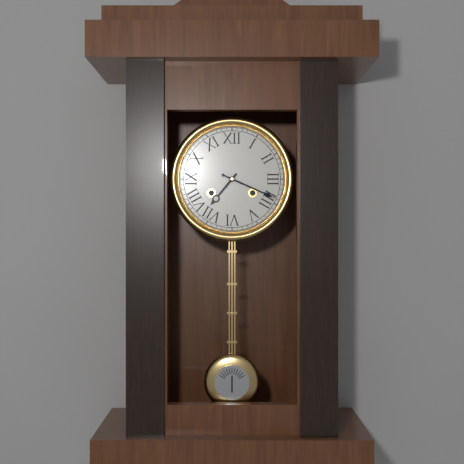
**7:19**
